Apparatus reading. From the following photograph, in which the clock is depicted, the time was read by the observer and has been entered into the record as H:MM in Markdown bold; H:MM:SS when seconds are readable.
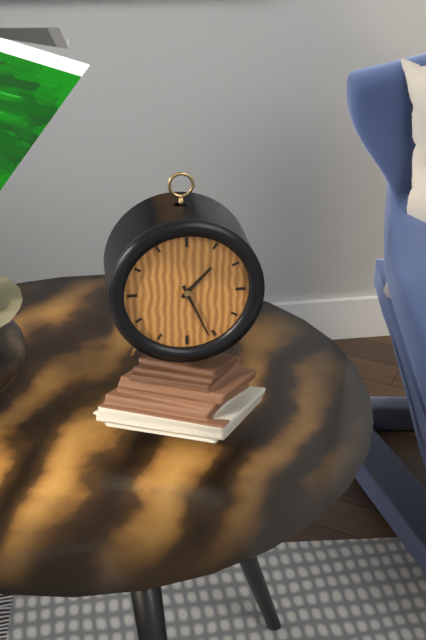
**1:26**
